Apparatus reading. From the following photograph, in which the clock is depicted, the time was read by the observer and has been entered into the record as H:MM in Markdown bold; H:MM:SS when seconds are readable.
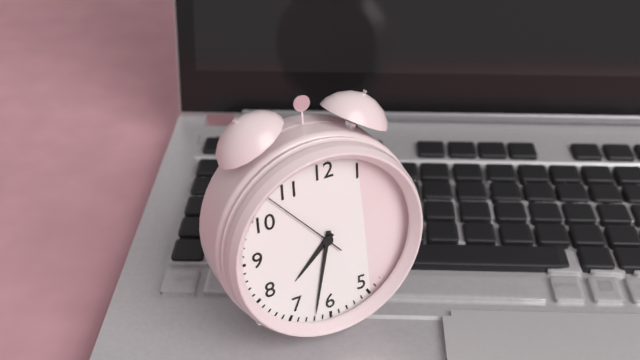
**7:32:53**
